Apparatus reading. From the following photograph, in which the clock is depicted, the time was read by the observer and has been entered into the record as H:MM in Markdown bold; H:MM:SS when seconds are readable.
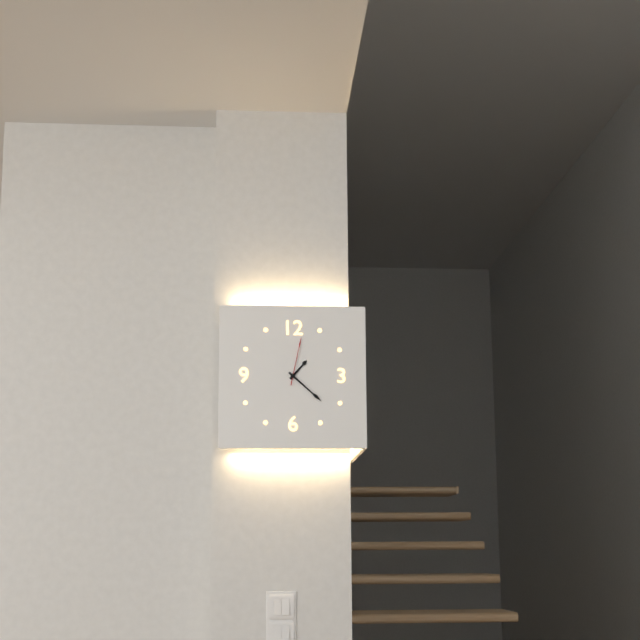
**1:22:02**
